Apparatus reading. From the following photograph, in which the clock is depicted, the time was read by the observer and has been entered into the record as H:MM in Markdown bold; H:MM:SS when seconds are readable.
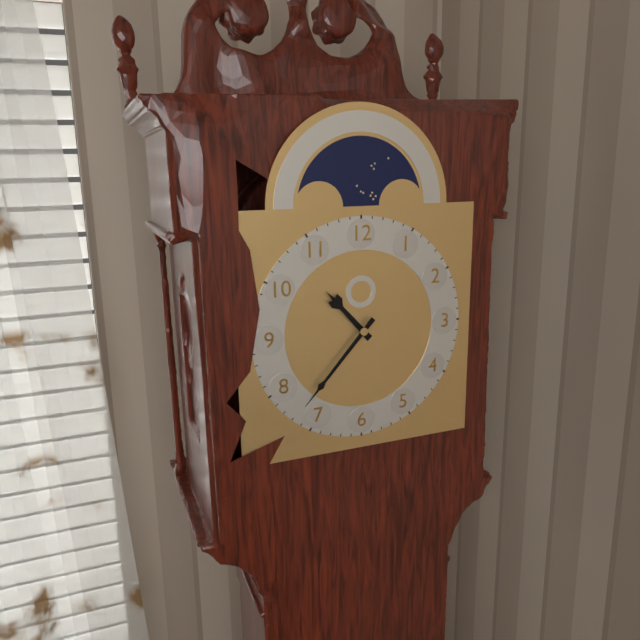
**10:37**
